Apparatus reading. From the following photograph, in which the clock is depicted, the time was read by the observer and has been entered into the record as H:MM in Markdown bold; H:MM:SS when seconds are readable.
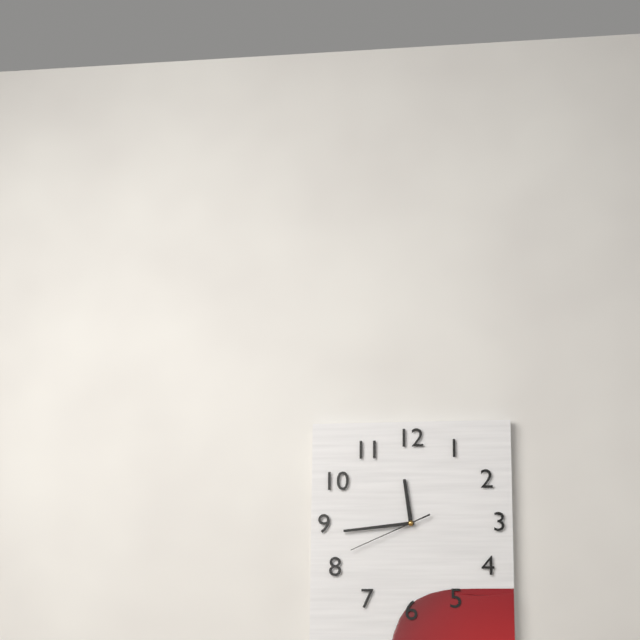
**11:44:41**
